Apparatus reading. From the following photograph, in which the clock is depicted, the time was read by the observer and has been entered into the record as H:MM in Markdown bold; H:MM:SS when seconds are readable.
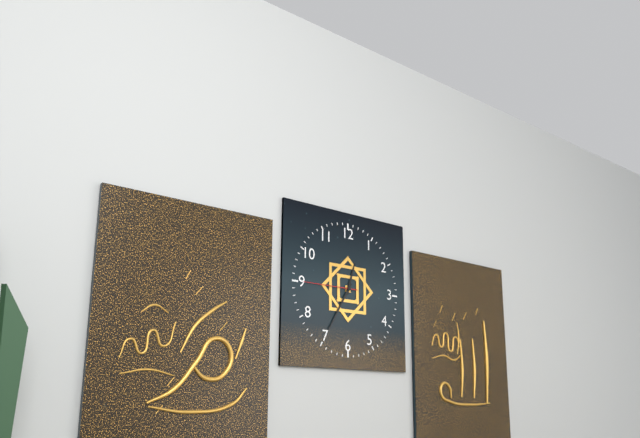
**12:35:45**
